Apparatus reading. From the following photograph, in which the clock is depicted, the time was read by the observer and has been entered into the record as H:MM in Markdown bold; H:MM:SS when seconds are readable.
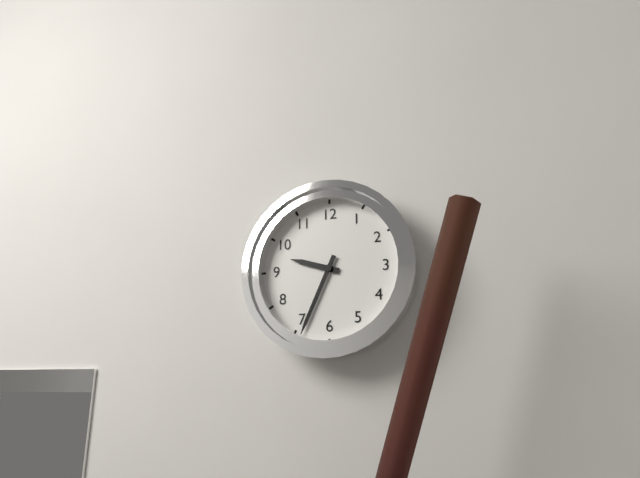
**9:34**
